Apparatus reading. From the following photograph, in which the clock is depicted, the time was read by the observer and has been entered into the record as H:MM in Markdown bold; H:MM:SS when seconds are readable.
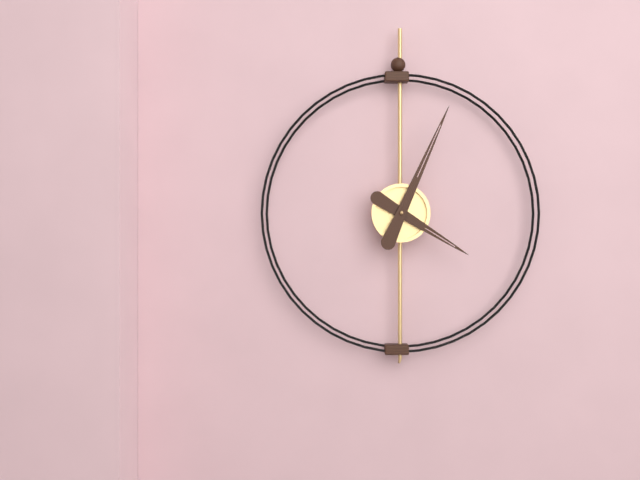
**4:04**
